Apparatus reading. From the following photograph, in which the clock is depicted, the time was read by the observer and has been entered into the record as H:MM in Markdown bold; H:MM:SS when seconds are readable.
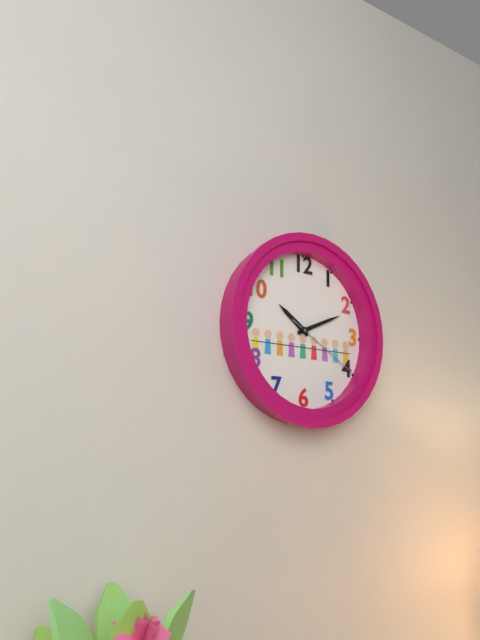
**10:11:20**
